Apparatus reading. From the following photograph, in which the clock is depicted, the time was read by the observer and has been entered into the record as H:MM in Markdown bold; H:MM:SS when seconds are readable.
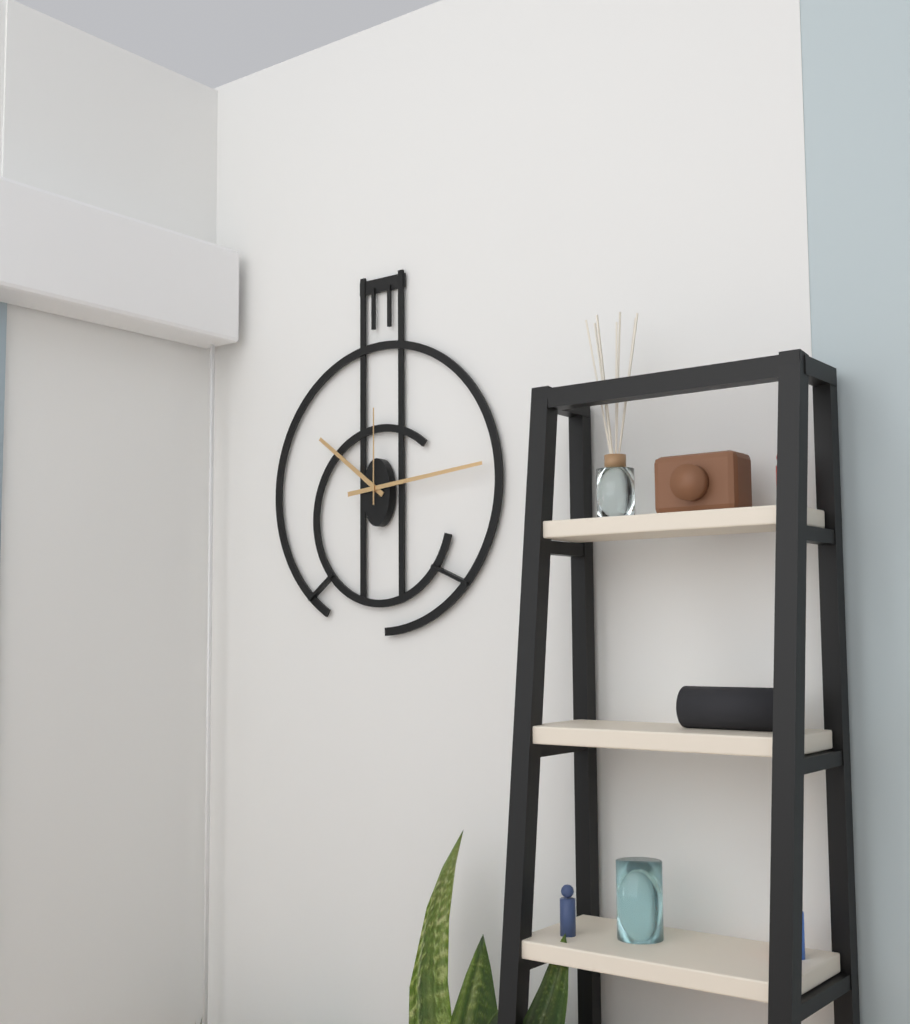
**10:14:00**
